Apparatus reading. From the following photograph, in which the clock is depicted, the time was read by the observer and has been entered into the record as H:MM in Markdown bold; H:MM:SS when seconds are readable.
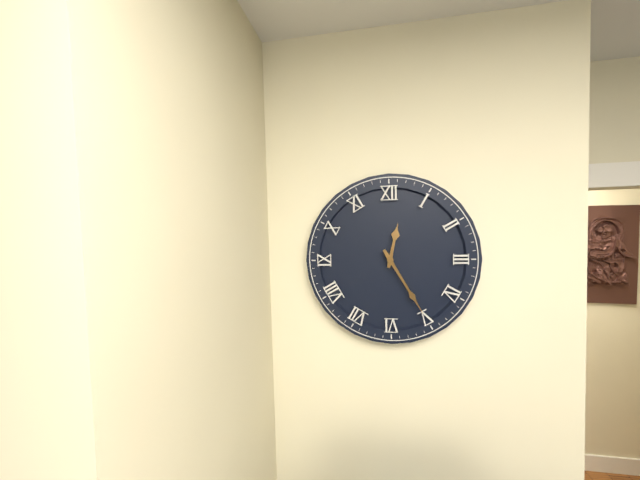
**12:25**
